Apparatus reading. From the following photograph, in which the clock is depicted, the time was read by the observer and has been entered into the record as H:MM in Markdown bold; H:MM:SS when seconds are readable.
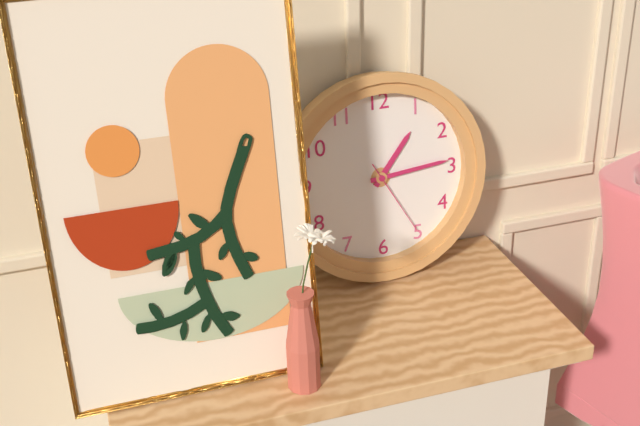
**1:14:25**
